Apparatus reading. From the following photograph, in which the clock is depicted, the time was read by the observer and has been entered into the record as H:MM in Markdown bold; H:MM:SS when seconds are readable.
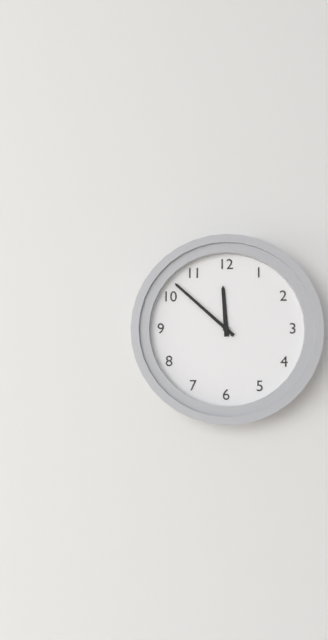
**11:52**
